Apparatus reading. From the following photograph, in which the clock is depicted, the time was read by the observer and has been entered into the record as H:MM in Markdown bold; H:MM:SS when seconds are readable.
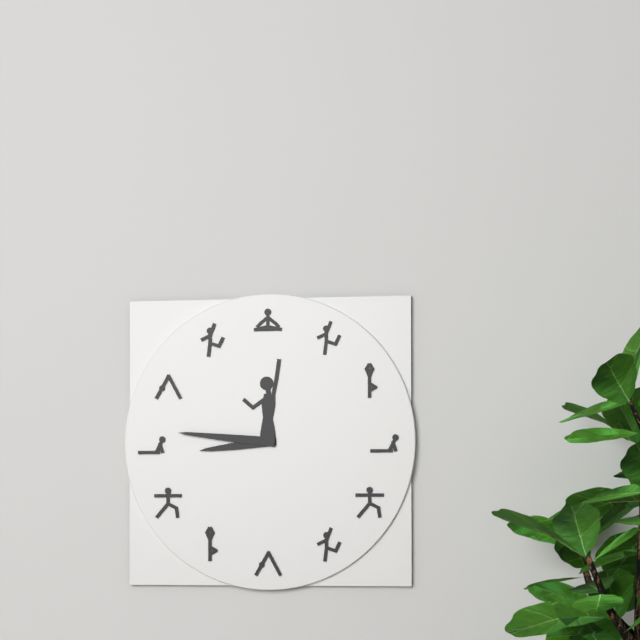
**8:46**
